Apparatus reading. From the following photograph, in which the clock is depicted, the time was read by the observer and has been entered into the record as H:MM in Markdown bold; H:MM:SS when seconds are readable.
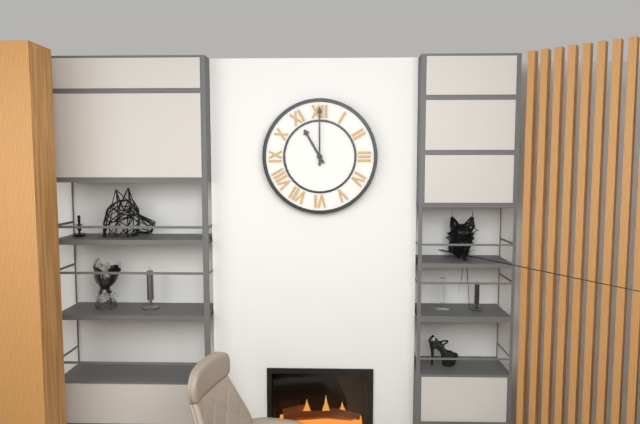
**11:00**
